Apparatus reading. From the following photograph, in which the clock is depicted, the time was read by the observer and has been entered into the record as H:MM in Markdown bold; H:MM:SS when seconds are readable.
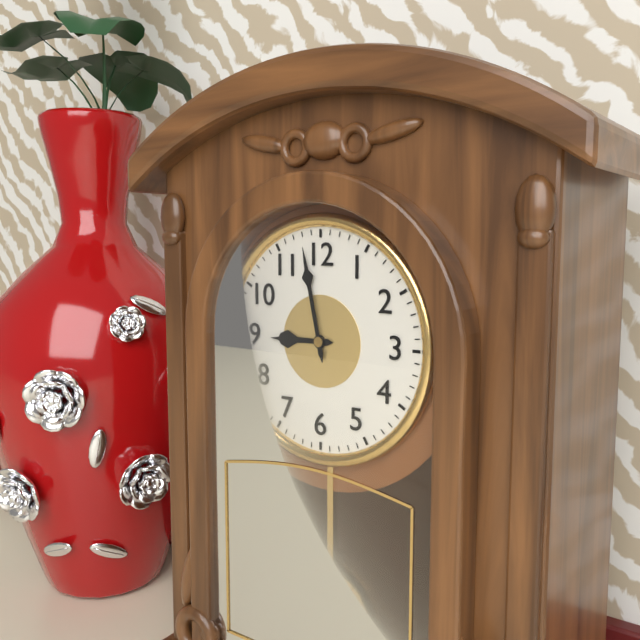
**8:58**
